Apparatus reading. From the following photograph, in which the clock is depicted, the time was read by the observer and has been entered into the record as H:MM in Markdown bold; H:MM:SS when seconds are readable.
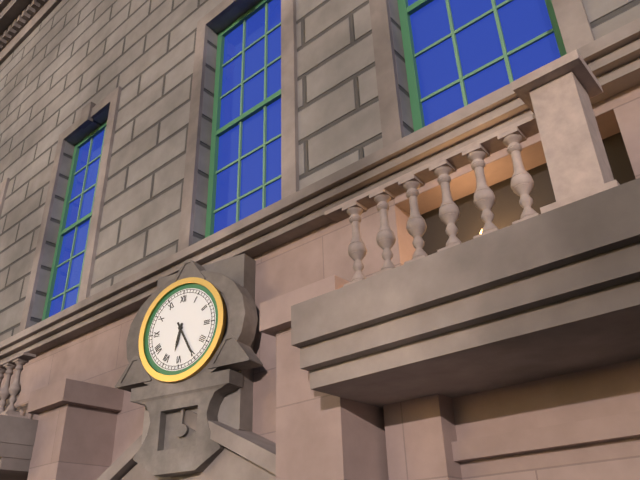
**6:25**
